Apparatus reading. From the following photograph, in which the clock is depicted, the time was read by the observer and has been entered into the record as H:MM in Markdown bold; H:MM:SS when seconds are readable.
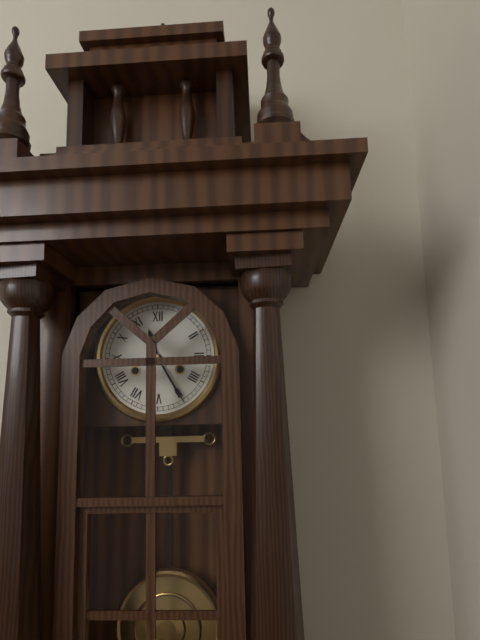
**11:25**
